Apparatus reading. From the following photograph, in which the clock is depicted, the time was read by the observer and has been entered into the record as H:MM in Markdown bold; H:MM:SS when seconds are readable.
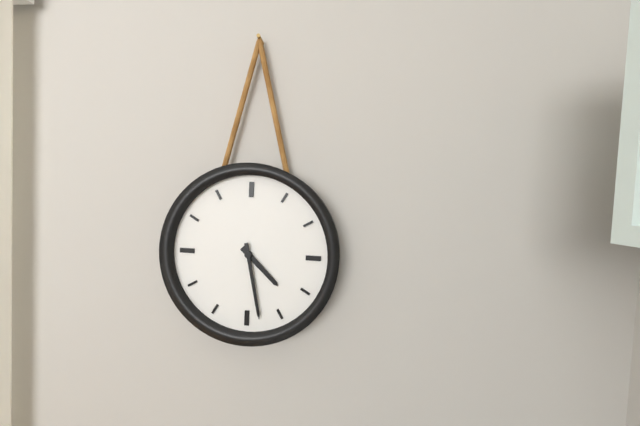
**4:28**
